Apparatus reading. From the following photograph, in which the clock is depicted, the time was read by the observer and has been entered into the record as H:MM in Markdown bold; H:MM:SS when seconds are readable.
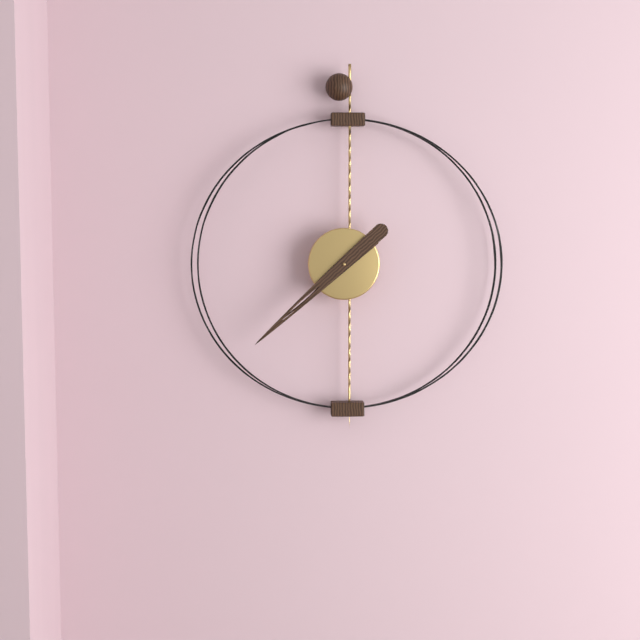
**7:38**
